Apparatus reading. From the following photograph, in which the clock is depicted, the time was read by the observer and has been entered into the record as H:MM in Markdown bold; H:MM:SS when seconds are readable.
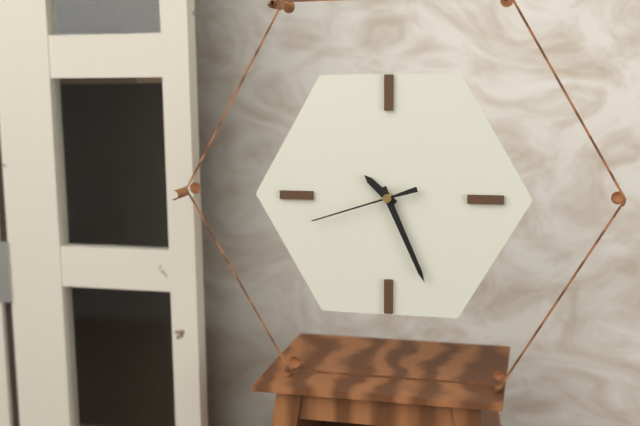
**10:26:42**
